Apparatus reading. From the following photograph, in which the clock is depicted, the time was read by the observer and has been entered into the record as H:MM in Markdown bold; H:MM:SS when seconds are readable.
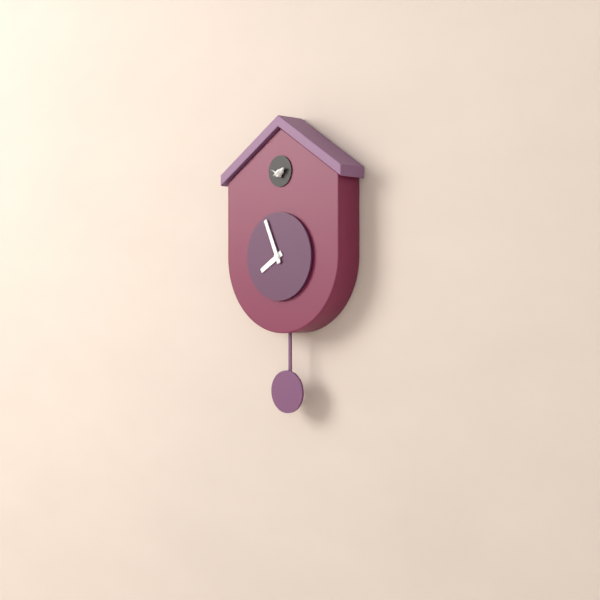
**7:56**
